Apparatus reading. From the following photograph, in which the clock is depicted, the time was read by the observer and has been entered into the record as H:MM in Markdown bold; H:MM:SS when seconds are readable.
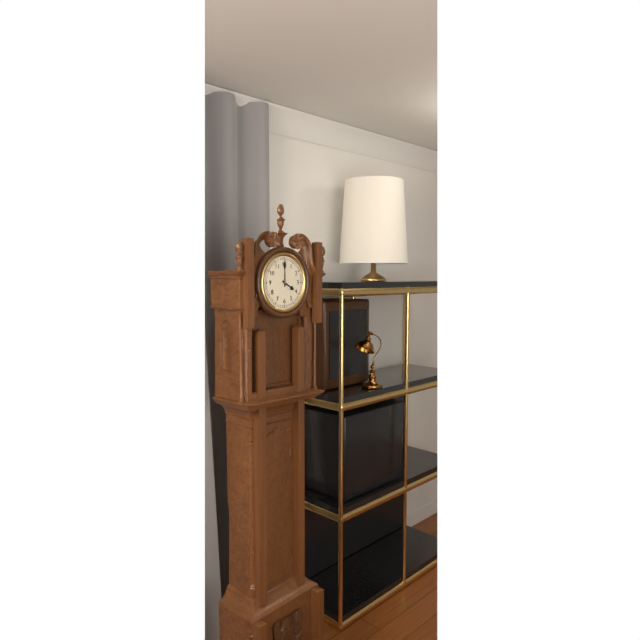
**4:00**
